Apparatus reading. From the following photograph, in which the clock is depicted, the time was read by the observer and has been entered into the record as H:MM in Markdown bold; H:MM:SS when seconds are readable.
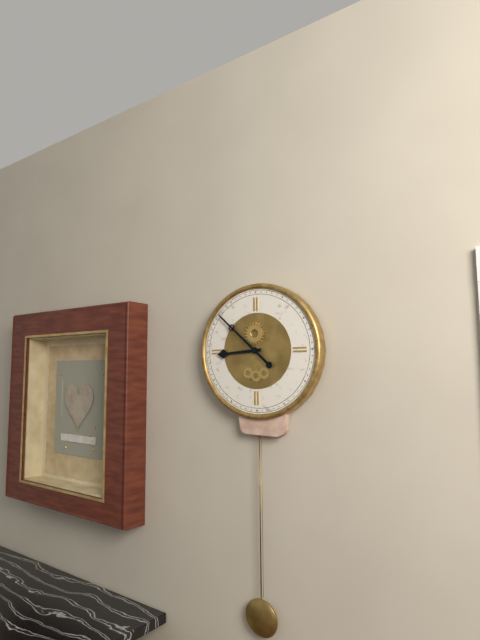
**8:52**
